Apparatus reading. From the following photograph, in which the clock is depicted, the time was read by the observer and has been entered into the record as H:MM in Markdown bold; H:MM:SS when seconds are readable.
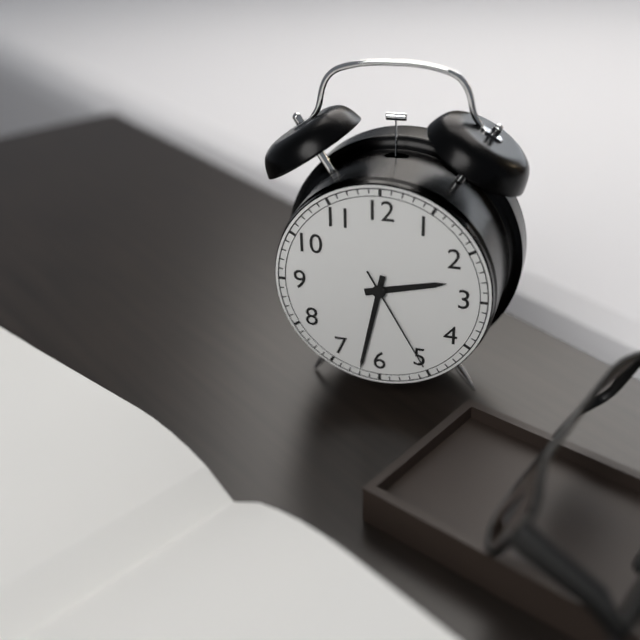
**2:32:25**
